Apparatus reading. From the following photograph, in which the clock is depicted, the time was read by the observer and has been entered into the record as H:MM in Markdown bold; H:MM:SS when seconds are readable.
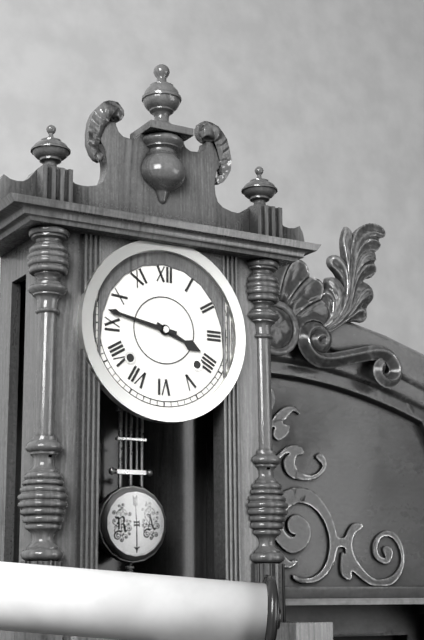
**3:47**
